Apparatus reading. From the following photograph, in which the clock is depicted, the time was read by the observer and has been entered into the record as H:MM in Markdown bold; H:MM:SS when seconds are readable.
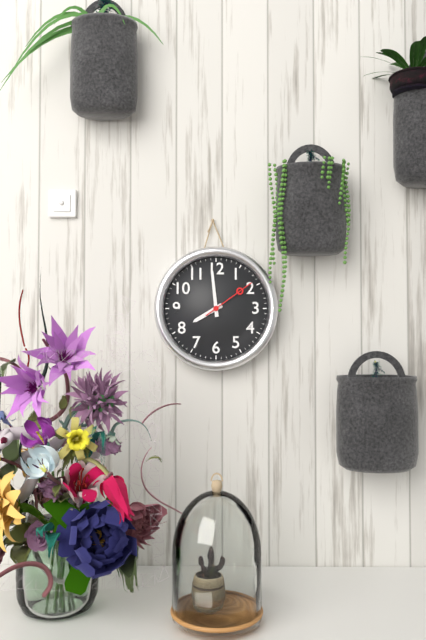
**7:59:09**
